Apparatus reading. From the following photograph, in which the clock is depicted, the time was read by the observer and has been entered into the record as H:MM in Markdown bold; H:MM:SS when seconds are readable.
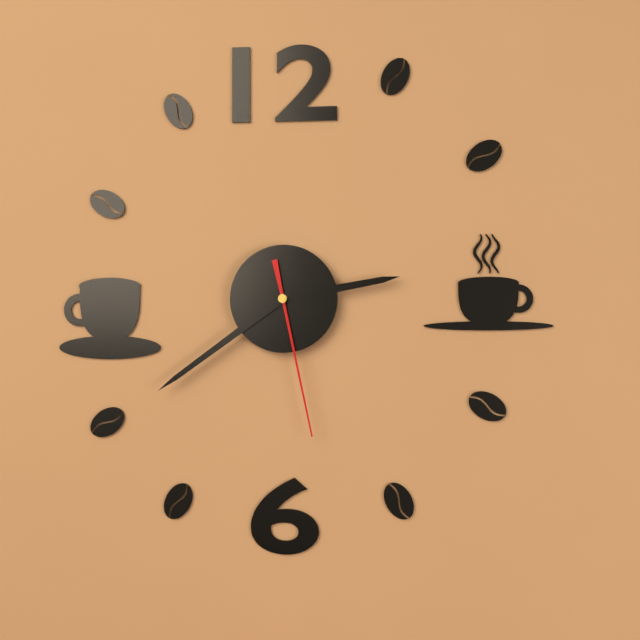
**2:39:28**
